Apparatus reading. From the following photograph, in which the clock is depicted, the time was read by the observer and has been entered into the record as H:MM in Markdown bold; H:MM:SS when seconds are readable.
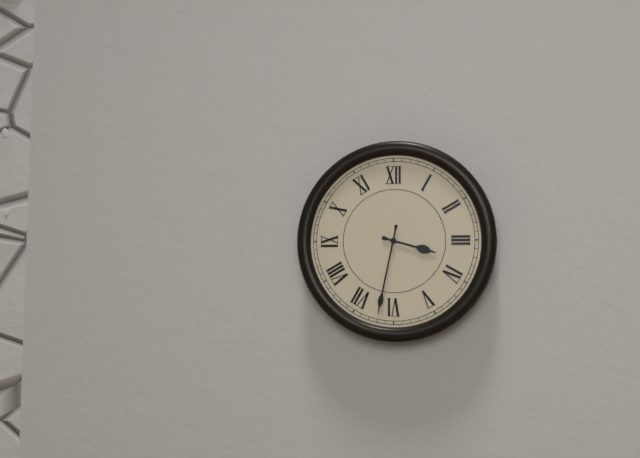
**3:32**
